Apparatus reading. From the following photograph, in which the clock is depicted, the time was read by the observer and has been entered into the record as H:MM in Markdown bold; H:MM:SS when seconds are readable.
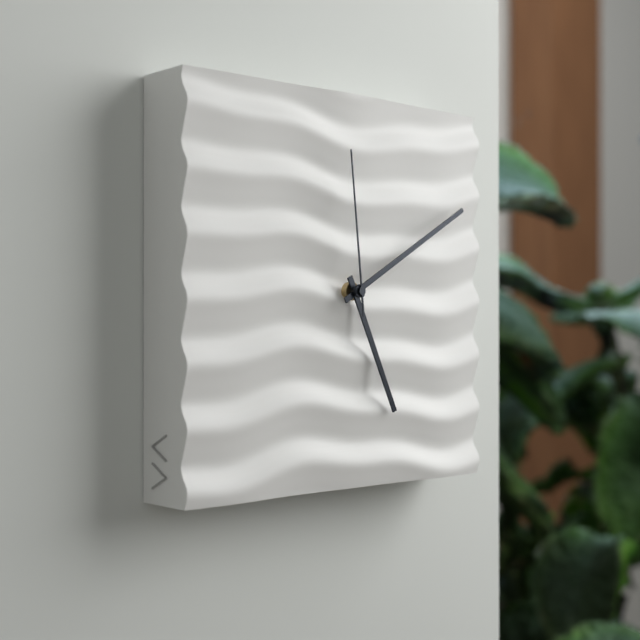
**5:10:59**
